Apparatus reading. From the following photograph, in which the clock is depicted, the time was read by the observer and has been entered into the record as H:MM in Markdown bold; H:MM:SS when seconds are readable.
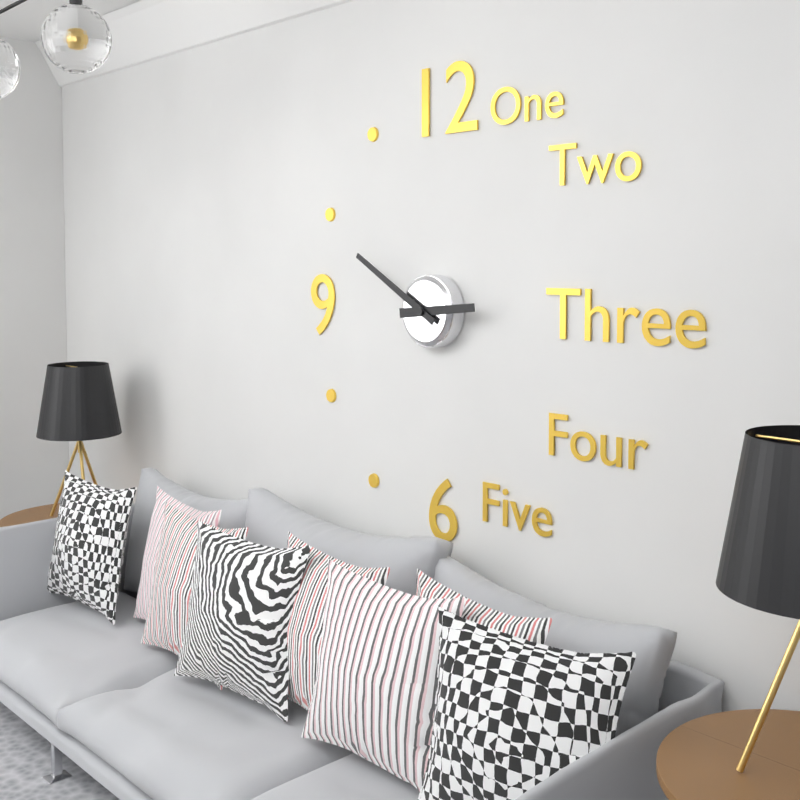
**2:50**
